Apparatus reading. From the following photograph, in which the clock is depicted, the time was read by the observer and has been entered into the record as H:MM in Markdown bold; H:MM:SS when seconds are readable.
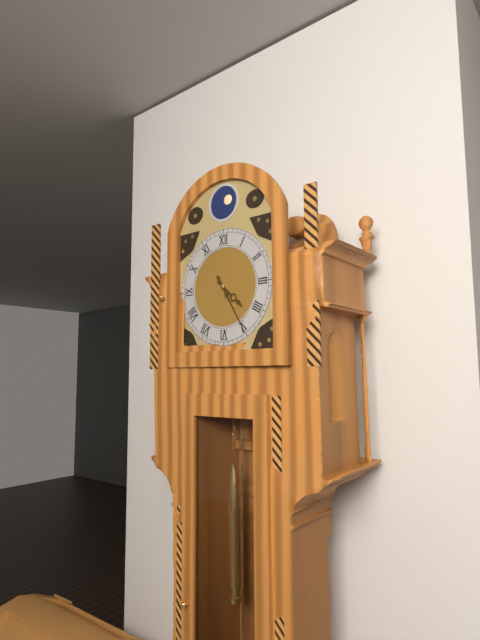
**4:25**
